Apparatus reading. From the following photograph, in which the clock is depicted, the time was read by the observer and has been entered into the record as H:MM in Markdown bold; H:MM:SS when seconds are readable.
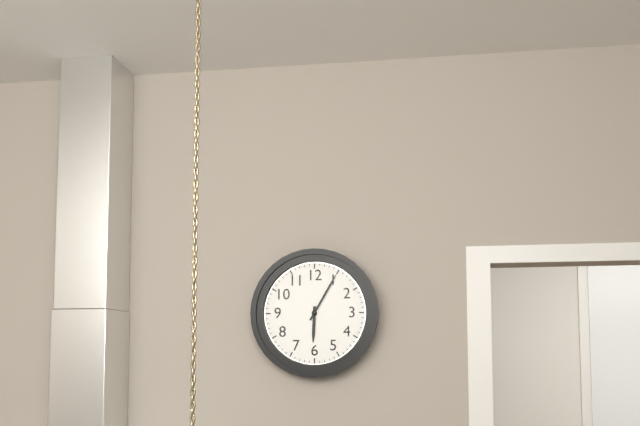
**6:05**
